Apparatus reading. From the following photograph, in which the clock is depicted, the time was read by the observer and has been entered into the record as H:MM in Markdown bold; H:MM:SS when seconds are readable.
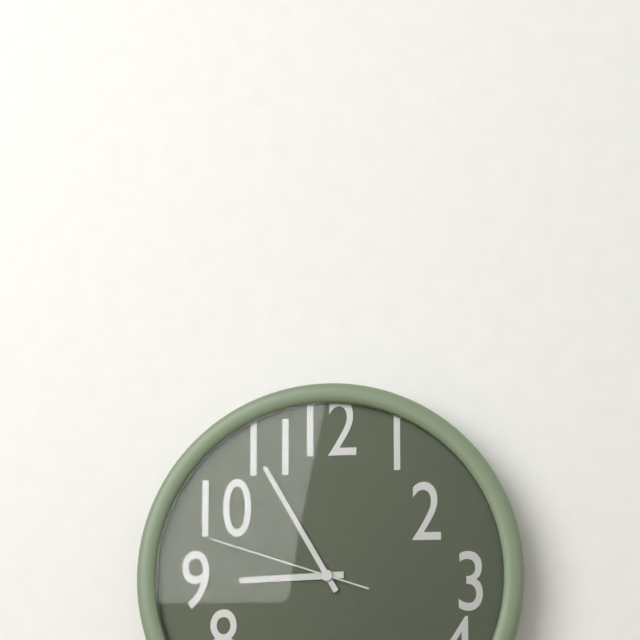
**8:55:48**
